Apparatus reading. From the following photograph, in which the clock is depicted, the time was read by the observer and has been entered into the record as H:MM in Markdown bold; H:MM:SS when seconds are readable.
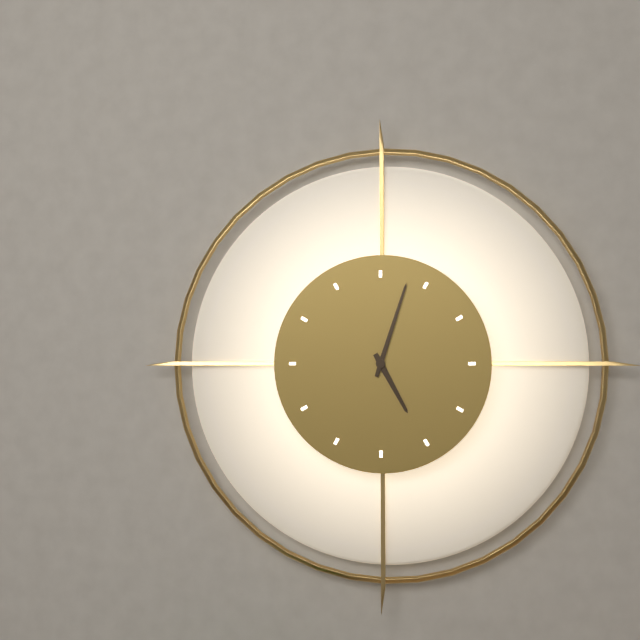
**5:03**
